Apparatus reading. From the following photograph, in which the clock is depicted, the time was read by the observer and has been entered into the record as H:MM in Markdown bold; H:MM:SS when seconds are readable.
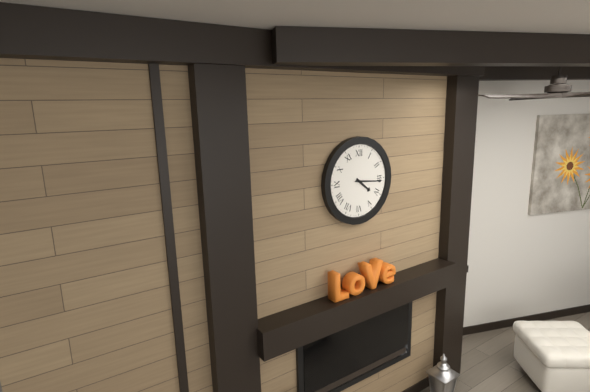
**4:16**
